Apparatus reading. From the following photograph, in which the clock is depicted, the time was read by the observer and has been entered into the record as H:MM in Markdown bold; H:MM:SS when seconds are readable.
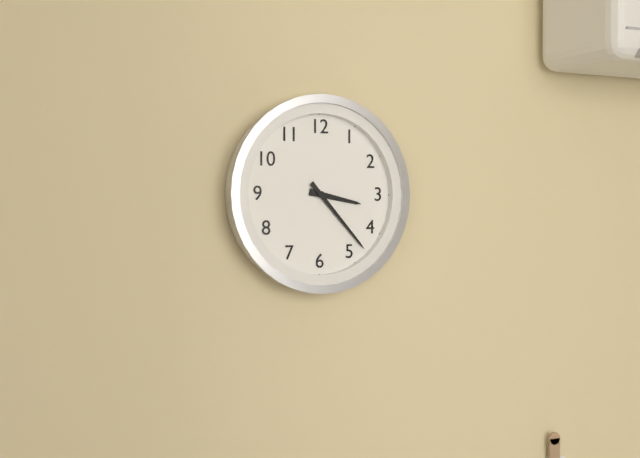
**3:23**
